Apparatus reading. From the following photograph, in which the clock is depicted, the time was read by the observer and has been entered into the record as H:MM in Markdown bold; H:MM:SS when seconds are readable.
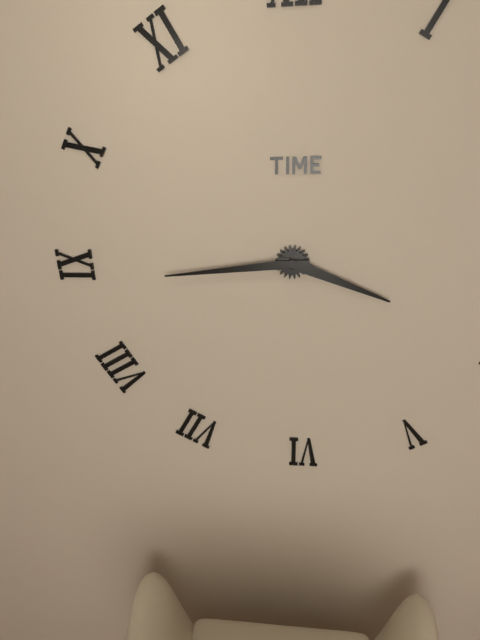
**3:44**
